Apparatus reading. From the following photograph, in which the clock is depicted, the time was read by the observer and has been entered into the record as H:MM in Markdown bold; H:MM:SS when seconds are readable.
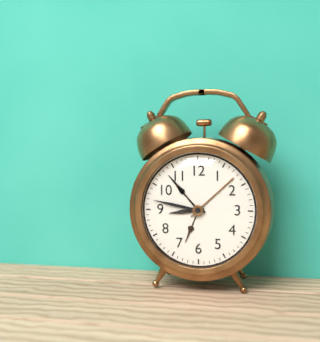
**8:47**
